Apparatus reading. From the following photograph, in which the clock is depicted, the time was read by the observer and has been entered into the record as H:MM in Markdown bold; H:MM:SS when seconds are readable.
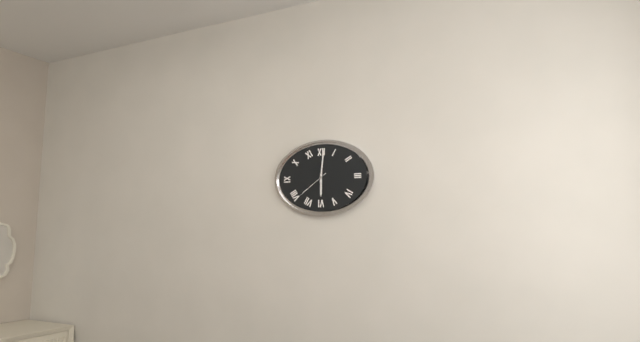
**6:01**
